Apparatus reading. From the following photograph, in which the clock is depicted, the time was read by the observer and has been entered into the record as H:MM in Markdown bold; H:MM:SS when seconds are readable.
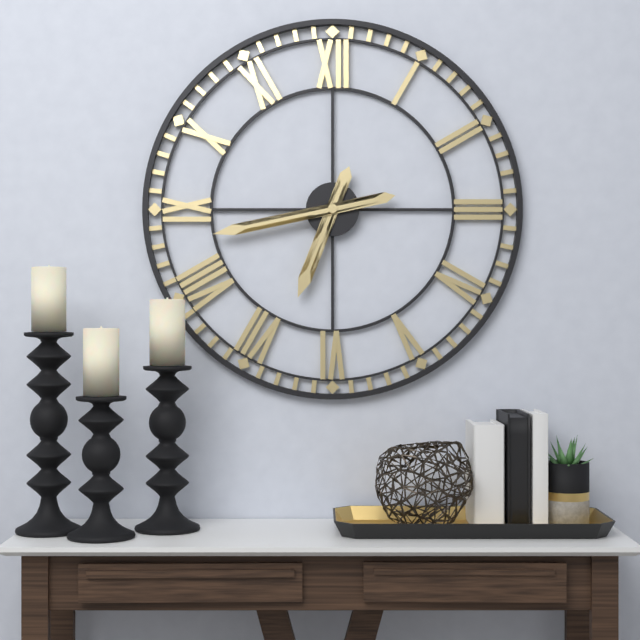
**6:43**
